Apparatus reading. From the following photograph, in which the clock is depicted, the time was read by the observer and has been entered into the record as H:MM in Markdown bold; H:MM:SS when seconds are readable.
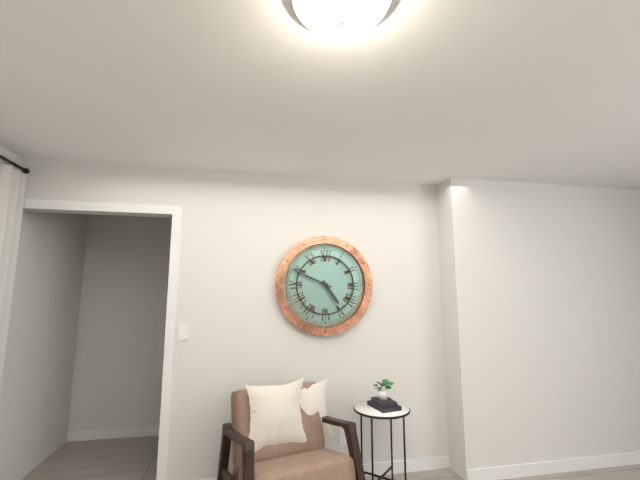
**4:49**
